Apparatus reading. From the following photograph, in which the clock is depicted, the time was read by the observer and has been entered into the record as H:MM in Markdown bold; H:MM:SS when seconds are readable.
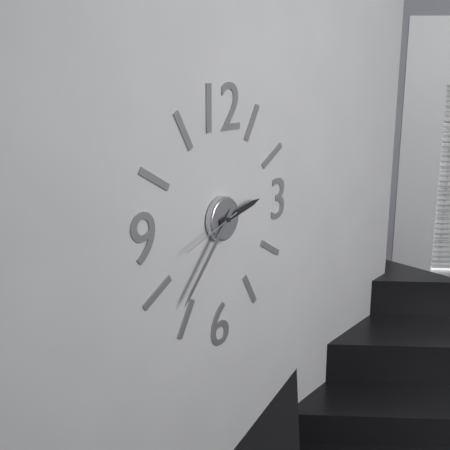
**2:37:42**
